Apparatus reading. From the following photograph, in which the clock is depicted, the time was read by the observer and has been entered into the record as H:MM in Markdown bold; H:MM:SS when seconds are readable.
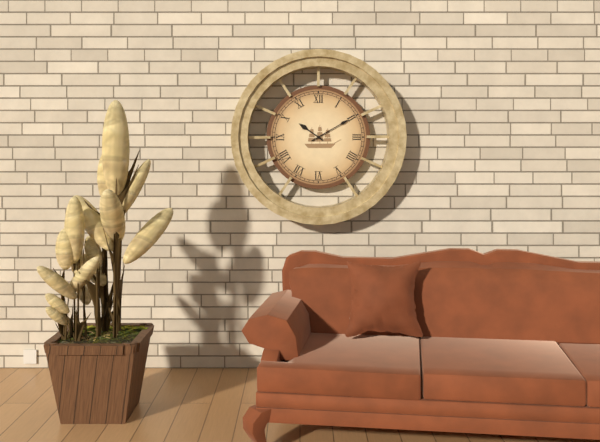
**10:10**
